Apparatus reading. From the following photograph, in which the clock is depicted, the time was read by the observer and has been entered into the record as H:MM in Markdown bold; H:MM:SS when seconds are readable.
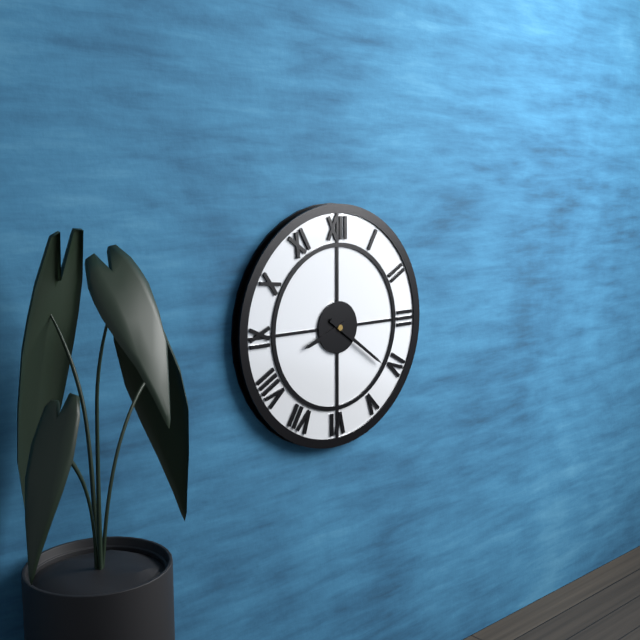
**8:21**
